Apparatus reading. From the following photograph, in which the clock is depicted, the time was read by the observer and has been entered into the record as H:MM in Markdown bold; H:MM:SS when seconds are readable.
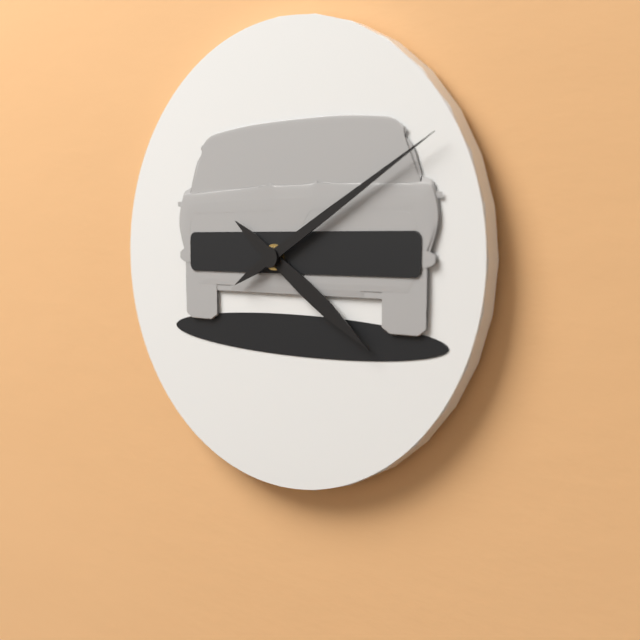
**4:10**
